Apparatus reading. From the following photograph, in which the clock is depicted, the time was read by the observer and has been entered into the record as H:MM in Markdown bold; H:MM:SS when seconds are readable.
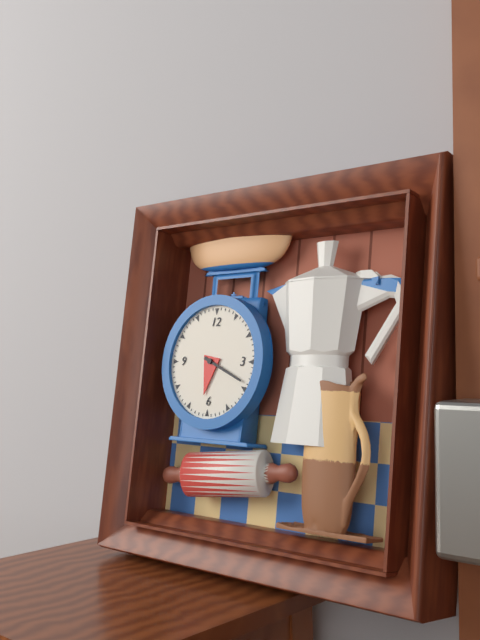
**6:19**
